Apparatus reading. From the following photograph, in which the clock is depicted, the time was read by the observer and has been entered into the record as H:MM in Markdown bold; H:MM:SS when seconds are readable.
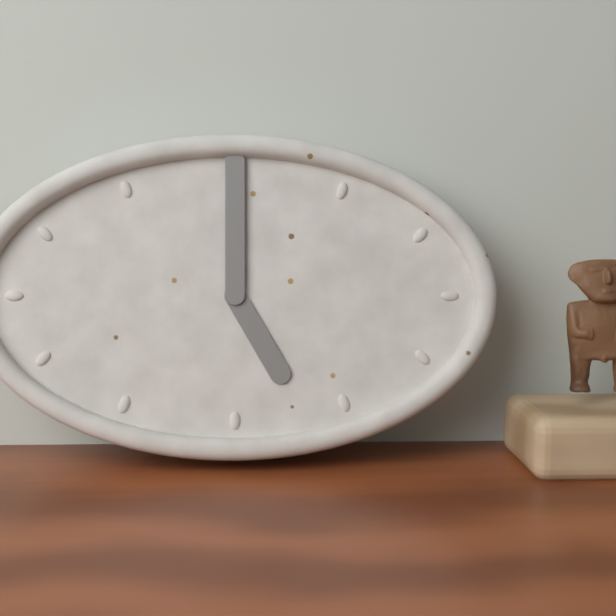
**5:00**
